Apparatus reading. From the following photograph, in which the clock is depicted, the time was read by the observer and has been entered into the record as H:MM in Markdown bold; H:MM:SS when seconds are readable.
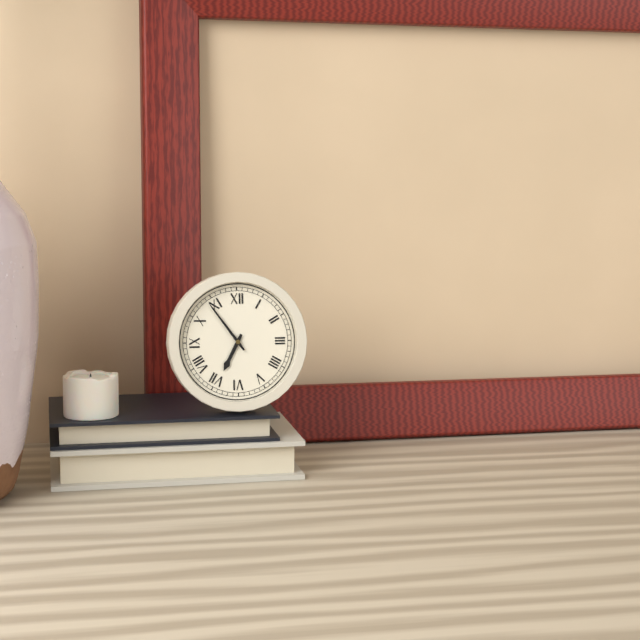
**6:54**
